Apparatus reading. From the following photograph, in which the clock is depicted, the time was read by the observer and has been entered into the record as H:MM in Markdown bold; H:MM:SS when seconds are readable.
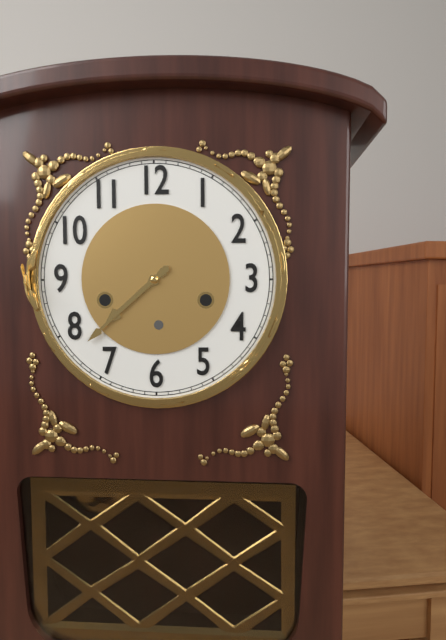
**7:38**
